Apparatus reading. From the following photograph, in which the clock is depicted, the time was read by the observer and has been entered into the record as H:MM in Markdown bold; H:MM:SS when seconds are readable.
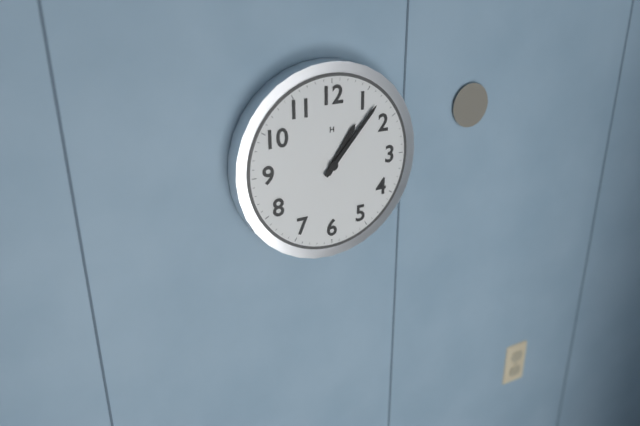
**1:07**
